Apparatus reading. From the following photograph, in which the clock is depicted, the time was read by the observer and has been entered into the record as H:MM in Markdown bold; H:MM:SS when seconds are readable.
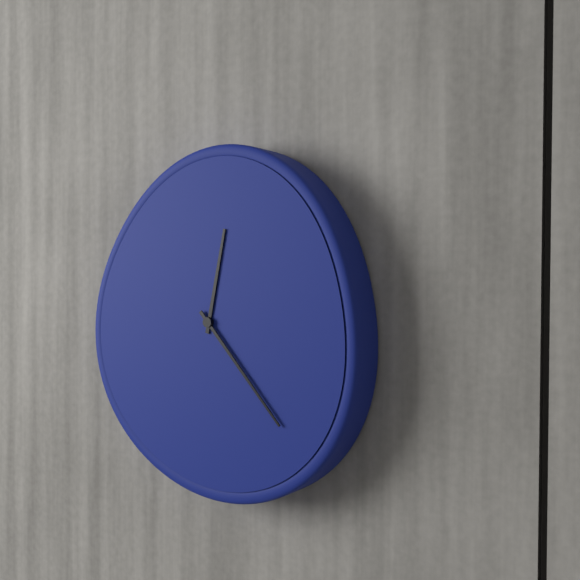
**12:23**
